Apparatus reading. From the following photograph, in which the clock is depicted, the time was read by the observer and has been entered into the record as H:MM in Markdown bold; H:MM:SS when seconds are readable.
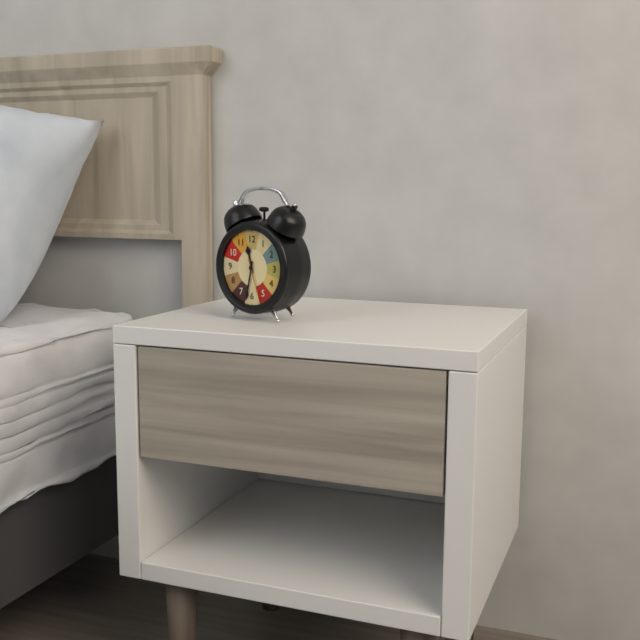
**11:32**
